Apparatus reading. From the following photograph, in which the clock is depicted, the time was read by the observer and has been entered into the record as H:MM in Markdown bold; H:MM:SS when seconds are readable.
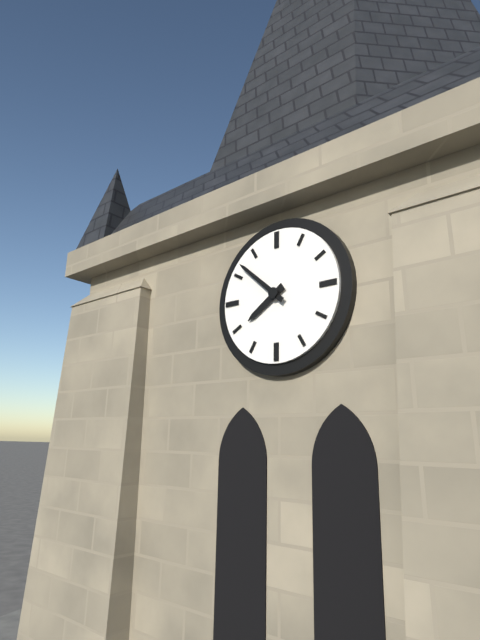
**7:52**
